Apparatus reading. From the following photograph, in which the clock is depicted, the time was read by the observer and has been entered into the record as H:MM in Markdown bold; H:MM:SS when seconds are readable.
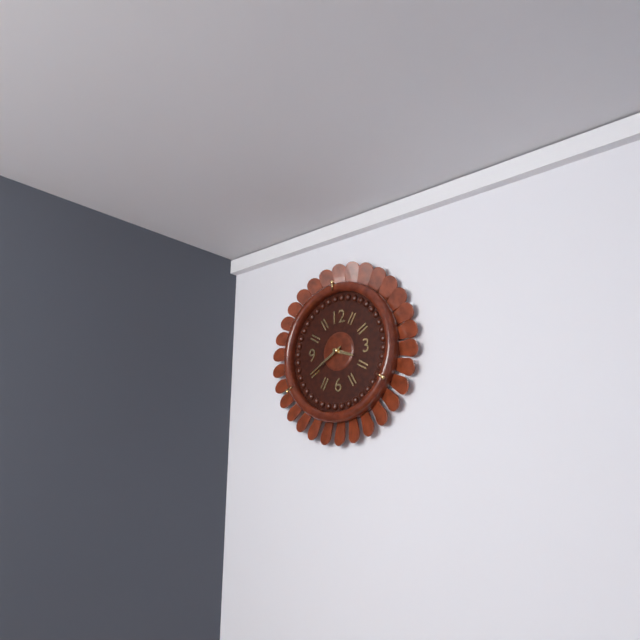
**3:40**
